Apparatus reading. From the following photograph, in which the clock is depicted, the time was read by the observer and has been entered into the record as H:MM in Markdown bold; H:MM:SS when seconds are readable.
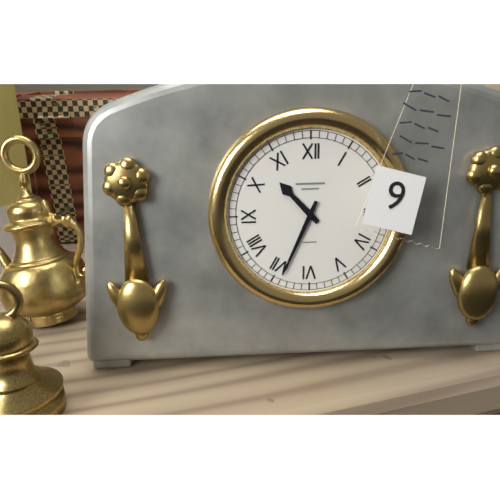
**10:34**
